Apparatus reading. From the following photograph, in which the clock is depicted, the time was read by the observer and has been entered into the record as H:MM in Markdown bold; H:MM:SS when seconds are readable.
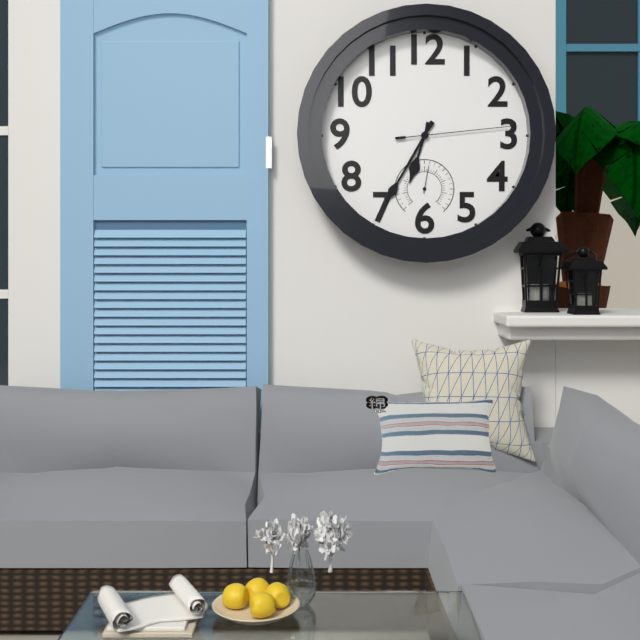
**6:35:14**
